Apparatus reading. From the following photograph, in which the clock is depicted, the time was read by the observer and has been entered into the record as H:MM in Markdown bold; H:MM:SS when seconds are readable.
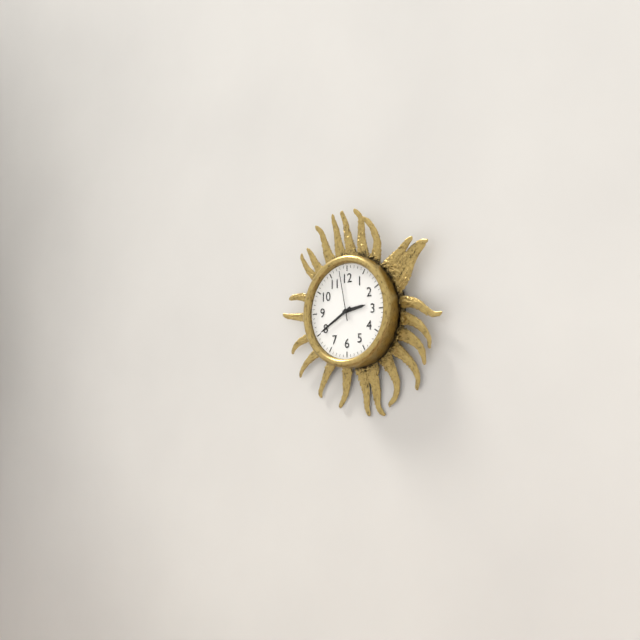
**2:40:58**
